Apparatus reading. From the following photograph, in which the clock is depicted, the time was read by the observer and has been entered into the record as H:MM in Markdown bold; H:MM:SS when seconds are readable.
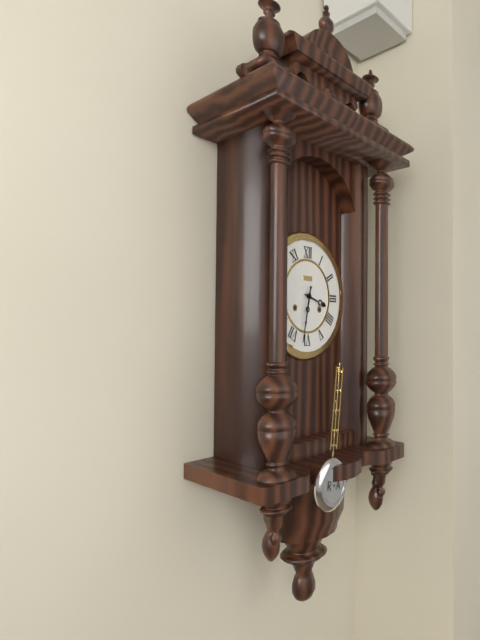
**3:32**
